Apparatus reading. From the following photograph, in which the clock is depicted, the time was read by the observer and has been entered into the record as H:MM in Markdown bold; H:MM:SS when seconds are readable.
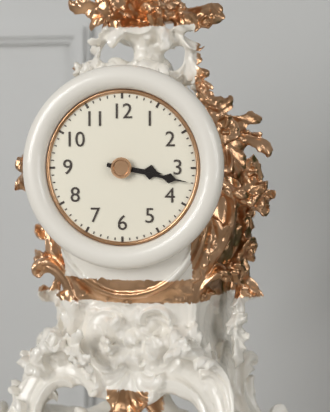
**3:17**
